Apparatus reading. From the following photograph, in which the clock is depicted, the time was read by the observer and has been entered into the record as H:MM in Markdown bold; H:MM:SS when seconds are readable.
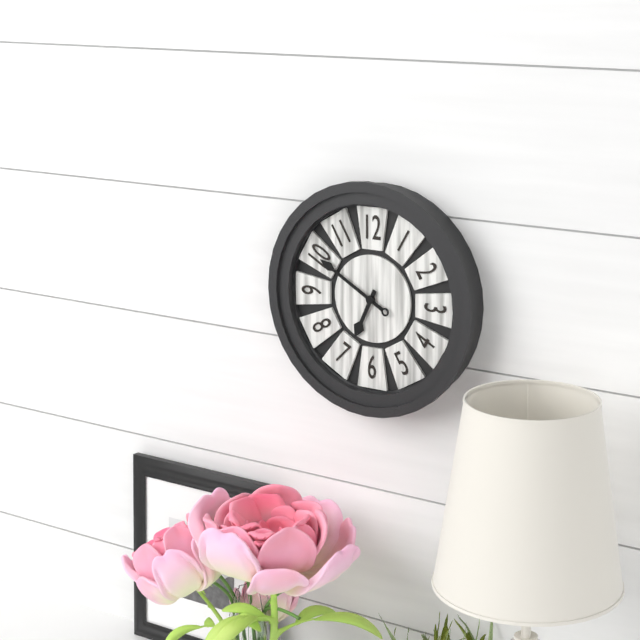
**6:50**
